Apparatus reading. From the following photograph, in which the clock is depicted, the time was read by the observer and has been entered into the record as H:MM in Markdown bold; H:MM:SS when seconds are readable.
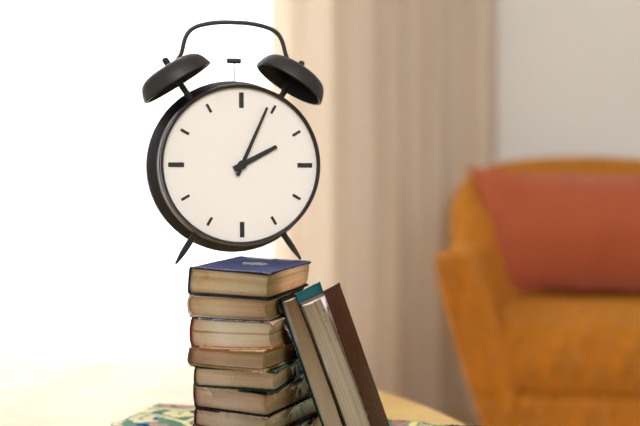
**2:04**
